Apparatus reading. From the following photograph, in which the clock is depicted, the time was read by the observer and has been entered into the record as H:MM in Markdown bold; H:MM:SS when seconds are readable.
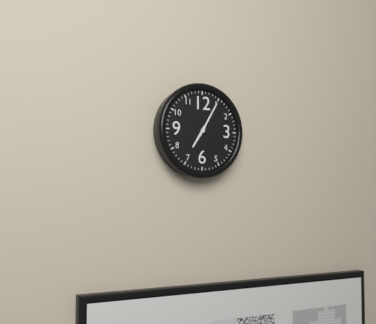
**7:05**
